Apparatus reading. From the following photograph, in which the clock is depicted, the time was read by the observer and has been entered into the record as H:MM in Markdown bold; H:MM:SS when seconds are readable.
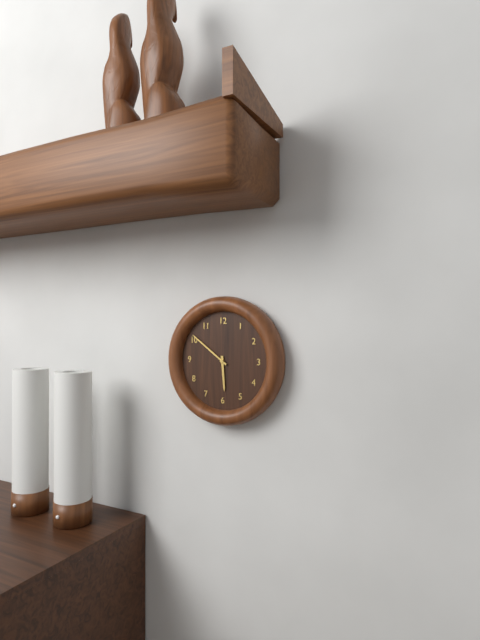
**5:51**
